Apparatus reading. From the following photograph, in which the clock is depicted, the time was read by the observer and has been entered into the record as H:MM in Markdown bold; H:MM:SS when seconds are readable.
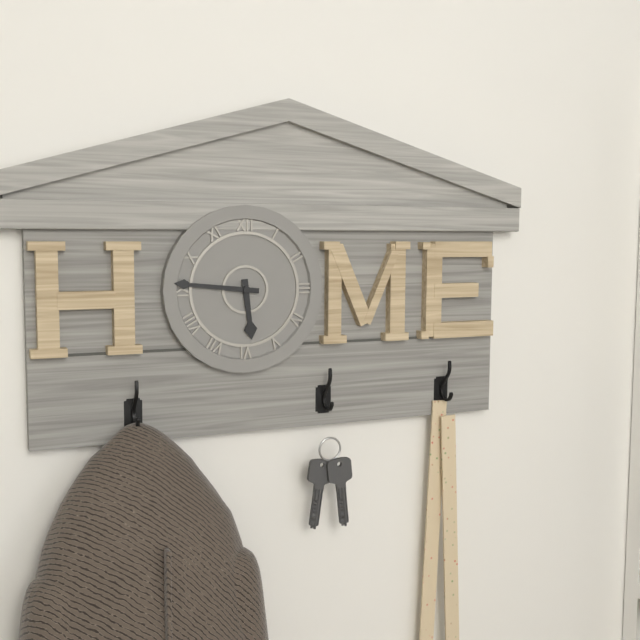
**5:46**
